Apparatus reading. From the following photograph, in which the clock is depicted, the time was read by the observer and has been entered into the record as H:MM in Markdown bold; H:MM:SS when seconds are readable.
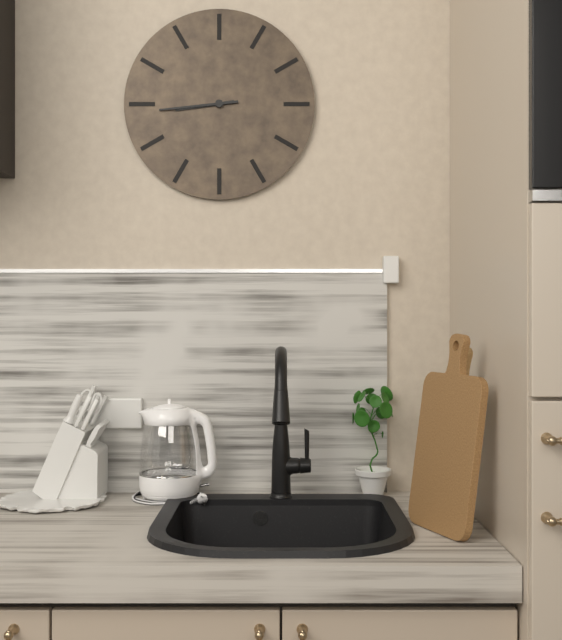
**8:44**
